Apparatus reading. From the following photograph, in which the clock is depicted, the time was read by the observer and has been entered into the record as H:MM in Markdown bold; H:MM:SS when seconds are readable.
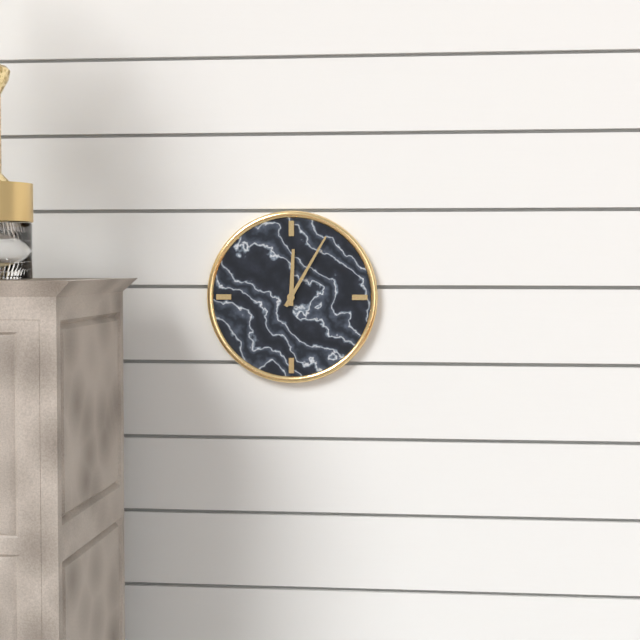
**12:05**
